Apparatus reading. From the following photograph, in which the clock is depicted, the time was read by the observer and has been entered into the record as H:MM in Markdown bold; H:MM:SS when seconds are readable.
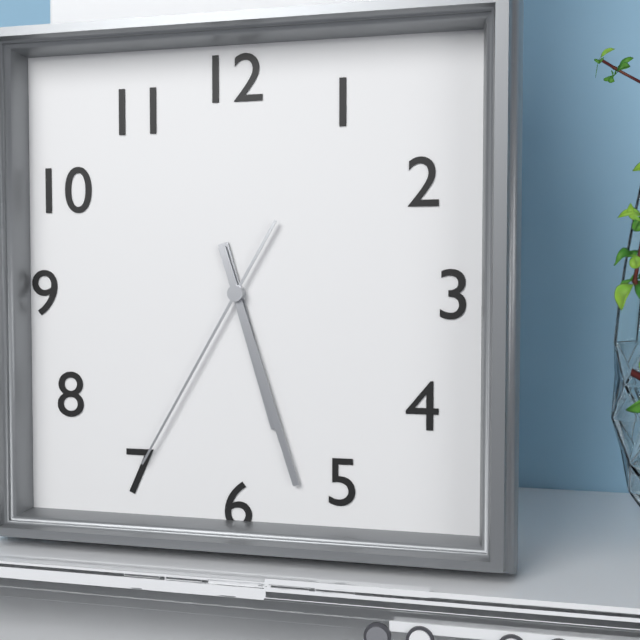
**5:27:35**
